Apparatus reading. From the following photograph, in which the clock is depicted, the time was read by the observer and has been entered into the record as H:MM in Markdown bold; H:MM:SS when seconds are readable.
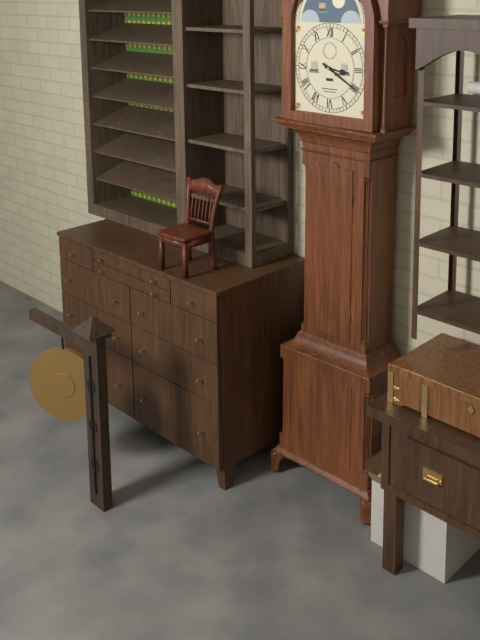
**3:20**
